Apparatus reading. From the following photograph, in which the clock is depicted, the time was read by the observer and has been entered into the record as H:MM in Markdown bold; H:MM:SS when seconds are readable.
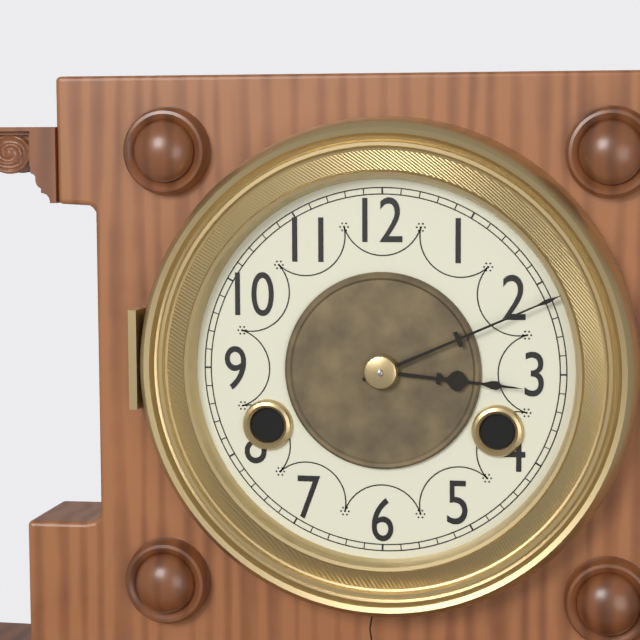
**3:11**
